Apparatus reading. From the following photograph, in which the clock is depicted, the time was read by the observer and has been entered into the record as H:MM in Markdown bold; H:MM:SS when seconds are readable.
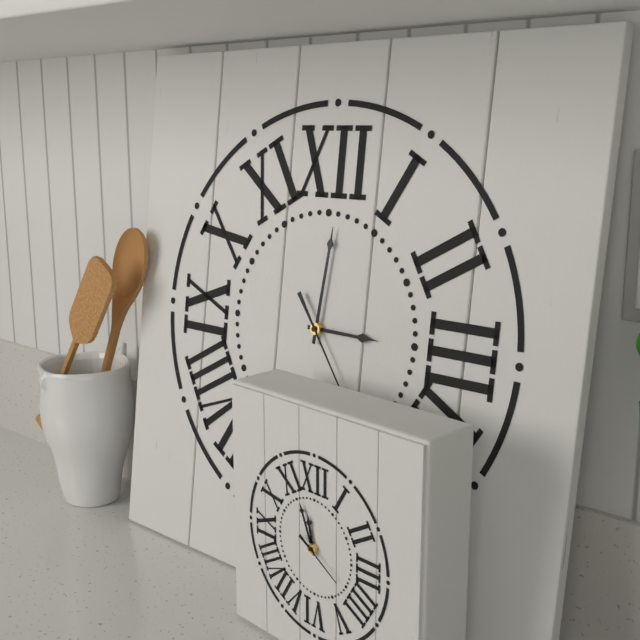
**3:01**
